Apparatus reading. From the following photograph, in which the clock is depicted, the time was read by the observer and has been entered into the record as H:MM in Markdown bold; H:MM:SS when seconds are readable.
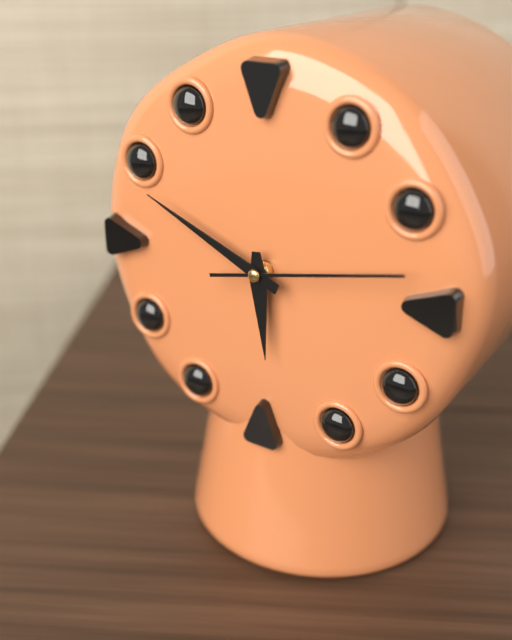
**5:49:13**
